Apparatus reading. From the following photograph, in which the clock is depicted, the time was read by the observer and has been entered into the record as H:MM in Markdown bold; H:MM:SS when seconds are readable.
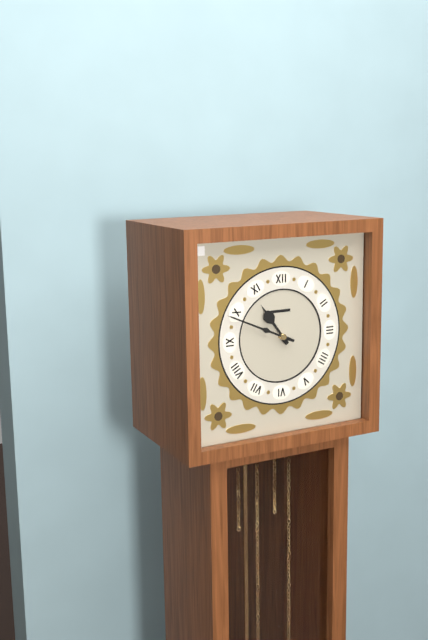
**10:49**
